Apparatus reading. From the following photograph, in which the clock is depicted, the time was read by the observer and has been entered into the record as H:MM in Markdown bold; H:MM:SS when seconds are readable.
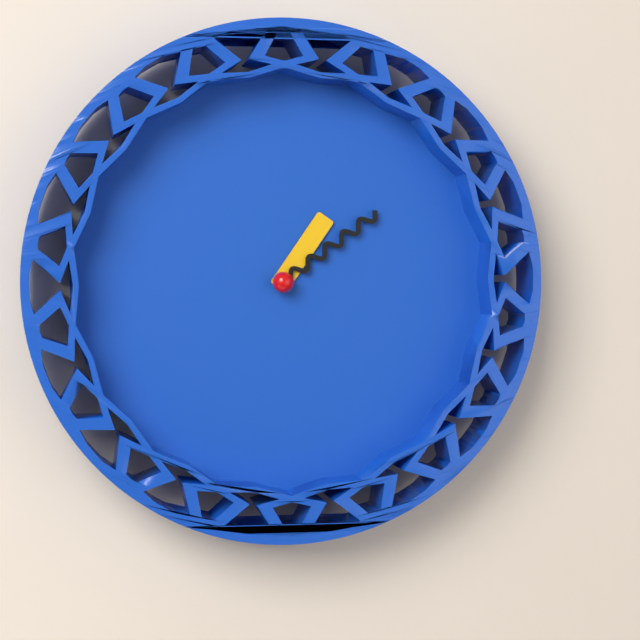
**1:09**
